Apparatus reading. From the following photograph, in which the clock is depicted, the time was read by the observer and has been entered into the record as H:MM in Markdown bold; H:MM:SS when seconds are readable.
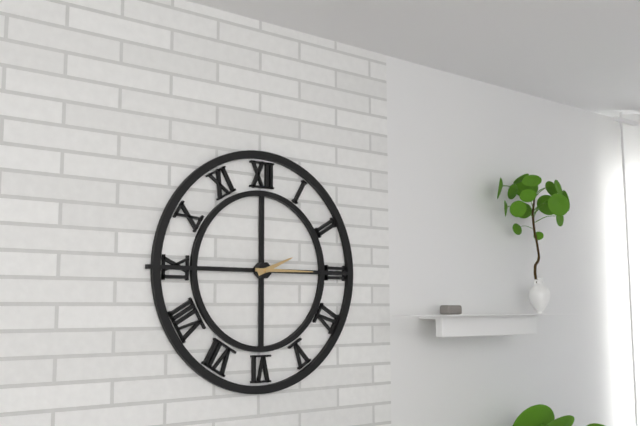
**2:15**
